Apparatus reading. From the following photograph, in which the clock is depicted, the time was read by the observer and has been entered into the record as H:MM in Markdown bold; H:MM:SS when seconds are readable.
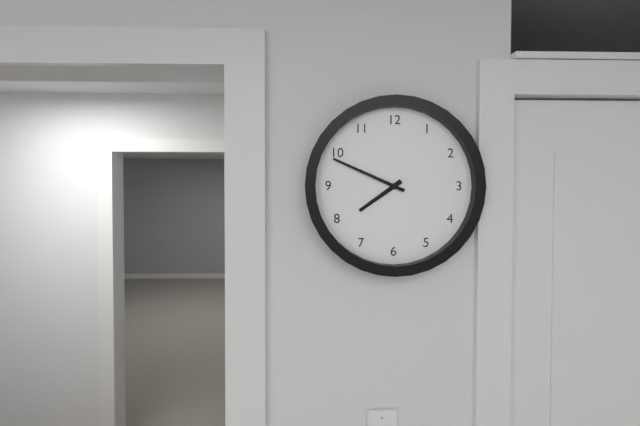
**7:49**
